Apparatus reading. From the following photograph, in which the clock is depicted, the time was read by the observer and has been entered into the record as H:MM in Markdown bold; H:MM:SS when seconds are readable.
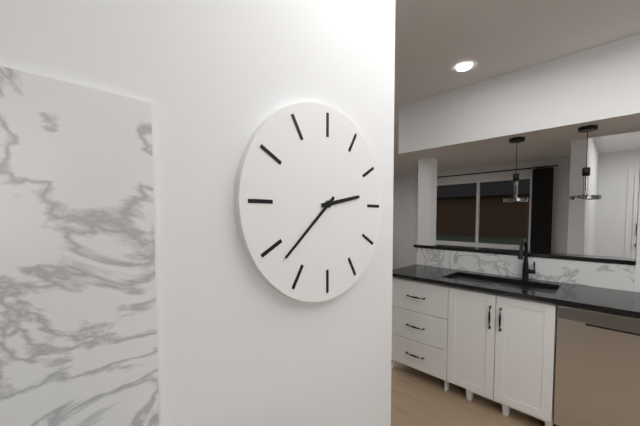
**2:38**
